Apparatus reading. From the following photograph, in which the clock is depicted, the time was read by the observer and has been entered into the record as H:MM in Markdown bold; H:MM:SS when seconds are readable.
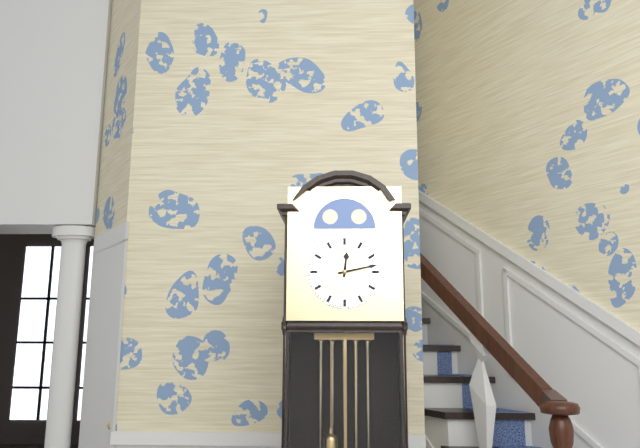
**12:13**
